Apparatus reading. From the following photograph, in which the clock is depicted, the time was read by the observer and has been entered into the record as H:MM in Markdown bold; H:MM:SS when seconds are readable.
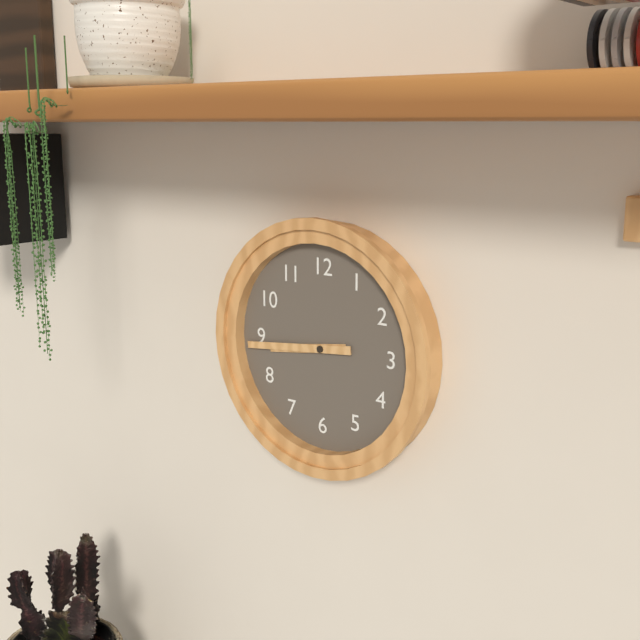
**8:44**
